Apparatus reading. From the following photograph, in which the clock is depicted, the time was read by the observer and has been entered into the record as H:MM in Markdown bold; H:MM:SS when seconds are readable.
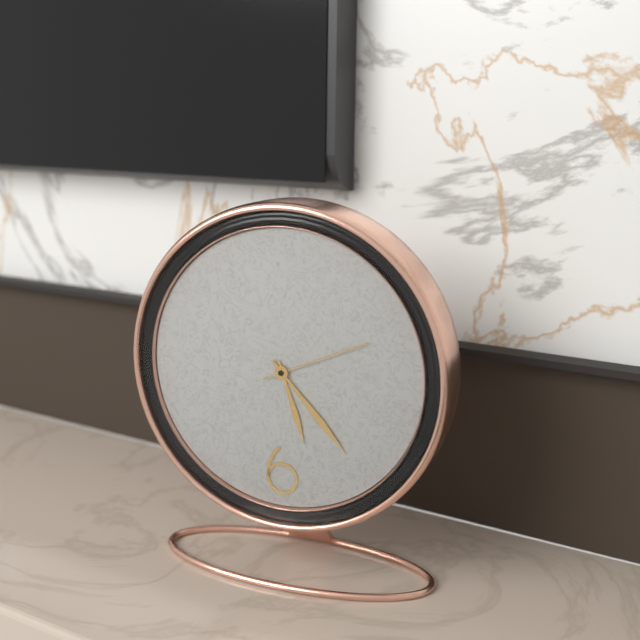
**5:23:11**
